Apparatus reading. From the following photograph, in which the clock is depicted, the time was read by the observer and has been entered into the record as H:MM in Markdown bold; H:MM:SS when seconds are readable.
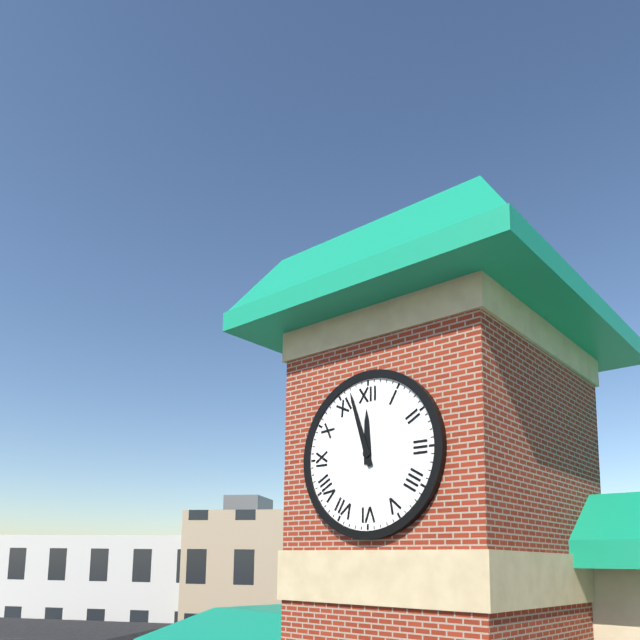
**11:57**
